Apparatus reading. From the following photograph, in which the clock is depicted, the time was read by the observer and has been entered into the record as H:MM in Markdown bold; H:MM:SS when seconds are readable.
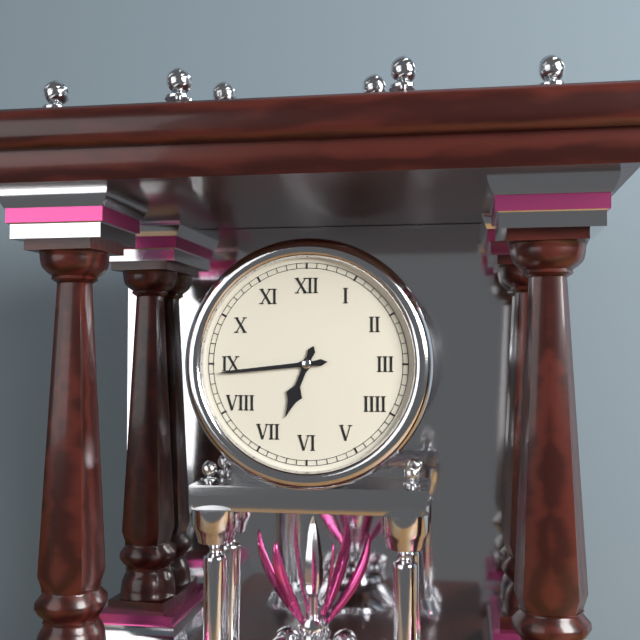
**6:44**
